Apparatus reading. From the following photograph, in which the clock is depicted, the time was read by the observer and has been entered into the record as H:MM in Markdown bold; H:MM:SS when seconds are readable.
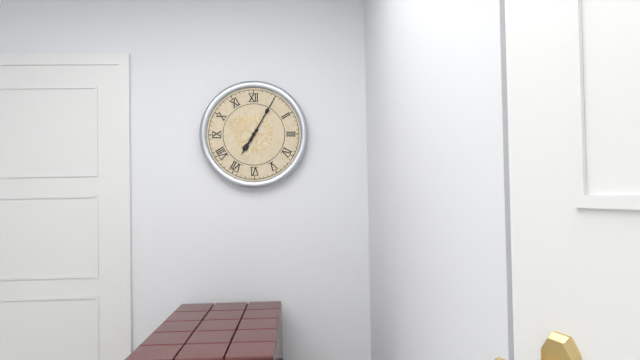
**7:05**
